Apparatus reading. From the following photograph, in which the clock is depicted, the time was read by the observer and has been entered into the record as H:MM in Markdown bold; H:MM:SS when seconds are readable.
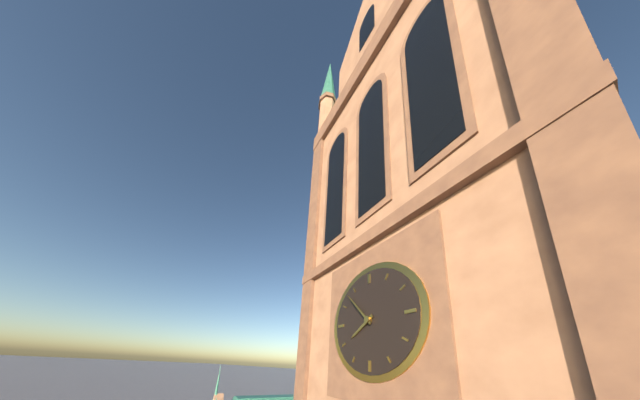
**7:53**
